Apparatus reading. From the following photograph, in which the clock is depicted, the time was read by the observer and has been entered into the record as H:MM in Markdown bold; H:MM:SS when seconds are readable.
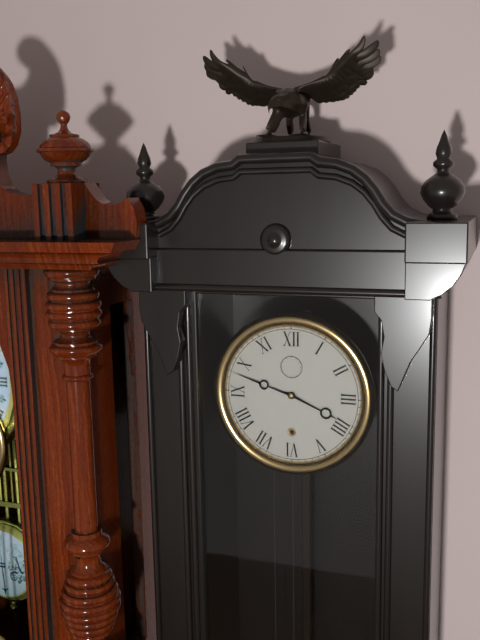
**3:48**
